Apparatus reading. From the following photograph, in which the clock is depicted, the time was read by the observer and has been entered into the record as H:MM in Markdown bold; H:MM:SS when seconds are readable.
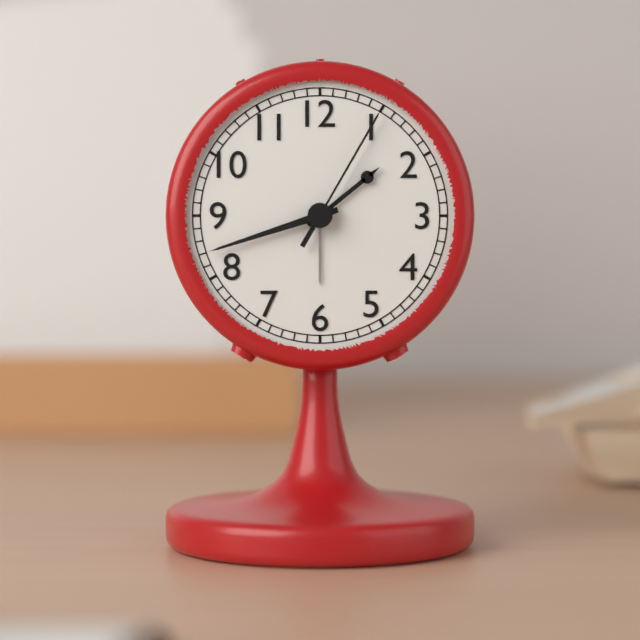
**1:42:05**
